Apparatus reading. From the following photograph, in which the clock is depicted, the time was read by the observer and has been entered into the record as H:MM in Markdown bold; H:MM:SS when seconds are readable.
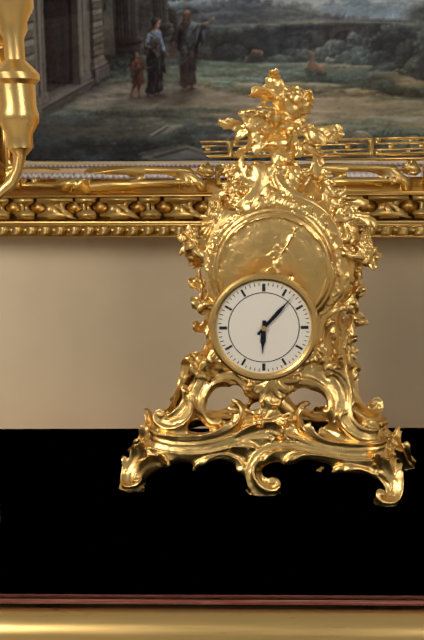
**6:07**
